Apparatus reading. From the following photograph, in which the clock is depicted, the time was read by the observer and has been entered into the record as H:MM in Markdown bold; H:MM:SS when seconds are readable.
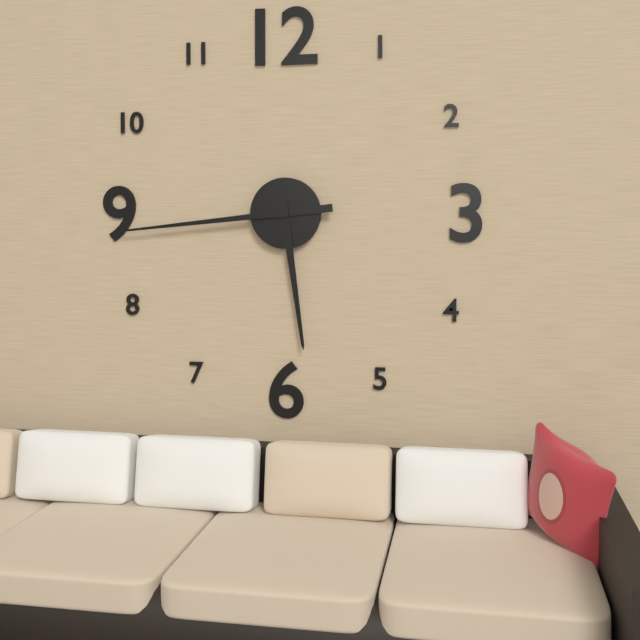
**5:44**
